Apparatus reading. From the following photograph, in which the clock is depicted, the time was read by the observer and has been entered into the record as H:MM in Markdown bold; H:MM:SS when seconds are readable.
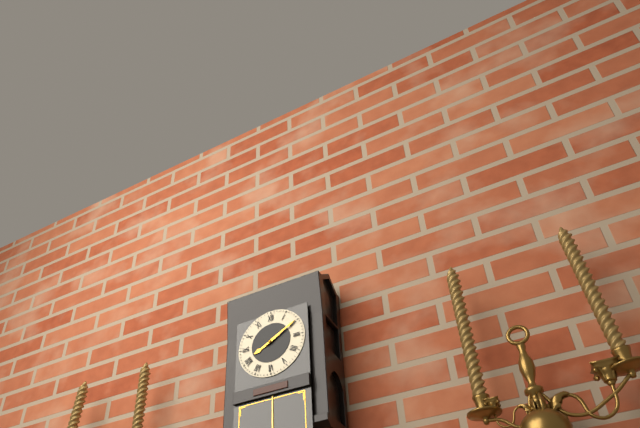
**8:10**
